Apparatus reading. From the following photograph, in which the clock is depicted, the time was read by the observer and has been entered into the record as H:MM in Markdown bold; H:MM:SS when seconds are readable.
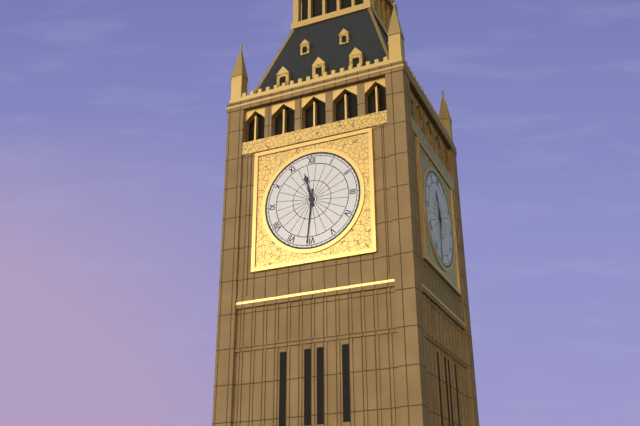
**11:31**
